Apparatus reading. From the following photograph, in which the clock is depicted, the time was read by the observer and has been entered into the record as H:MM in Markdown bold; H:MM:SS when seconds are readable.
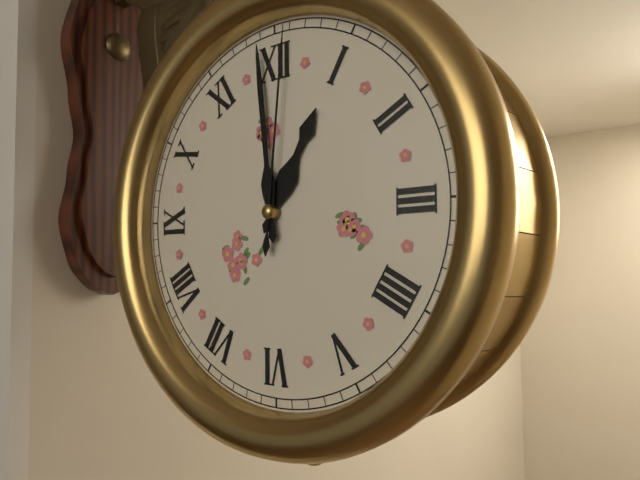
**12:59:01**
